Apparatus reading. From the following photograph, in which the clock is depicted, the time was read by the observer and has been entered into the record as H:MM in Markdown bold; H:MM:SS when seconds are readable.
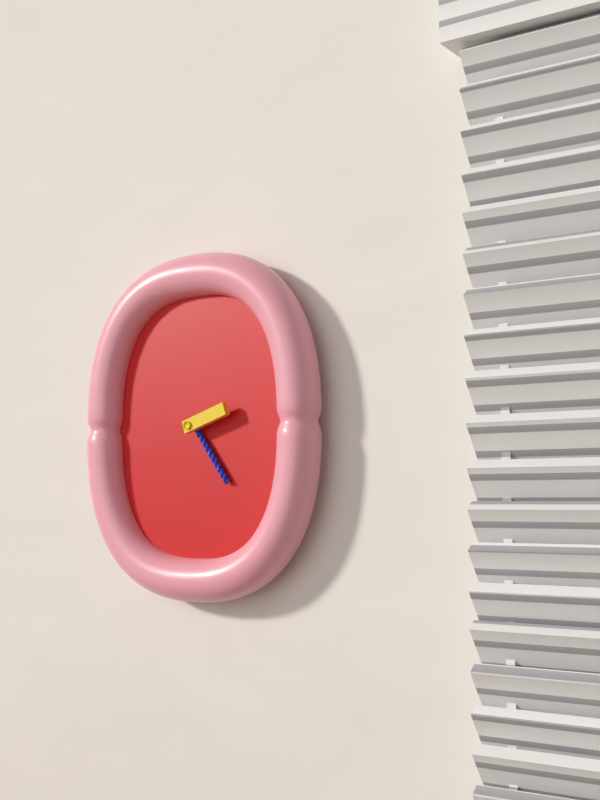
**2:24**
